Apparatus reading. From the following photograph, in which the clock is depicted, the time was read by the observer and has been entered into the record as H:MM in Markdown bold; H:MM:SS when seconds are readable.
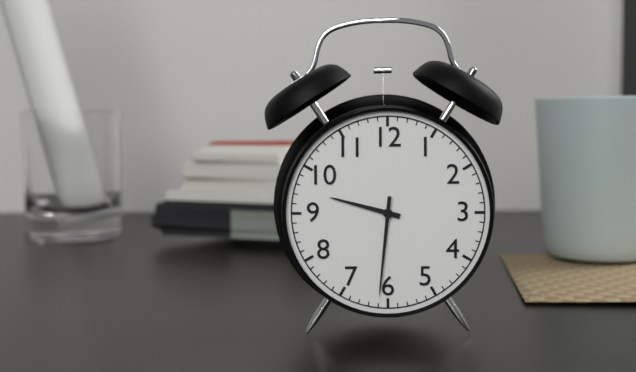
**9:31**
